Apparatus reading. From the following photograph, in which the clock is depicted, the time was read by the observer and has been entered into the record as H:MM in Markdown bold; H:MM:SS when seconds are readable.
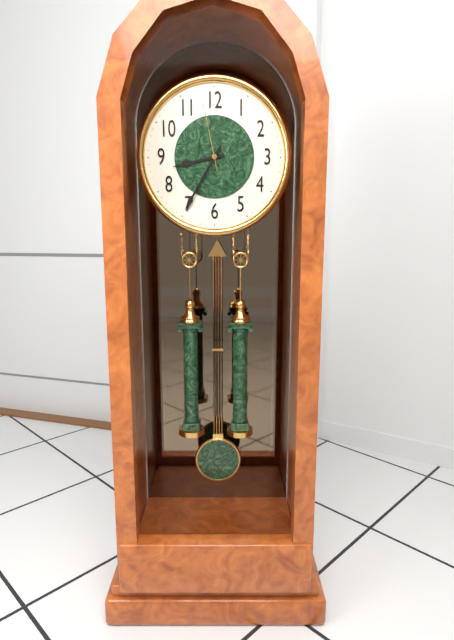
**8:35:58**
